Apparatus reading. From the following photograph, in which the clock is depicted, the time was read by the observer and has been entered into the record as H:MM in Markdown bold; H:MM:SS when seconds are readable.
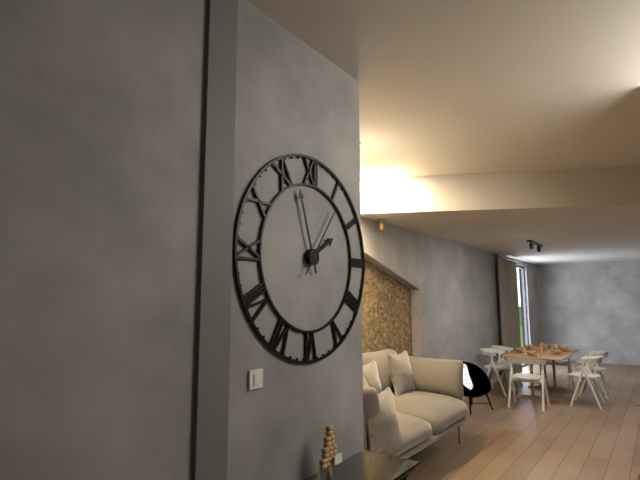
**1:57:06**
